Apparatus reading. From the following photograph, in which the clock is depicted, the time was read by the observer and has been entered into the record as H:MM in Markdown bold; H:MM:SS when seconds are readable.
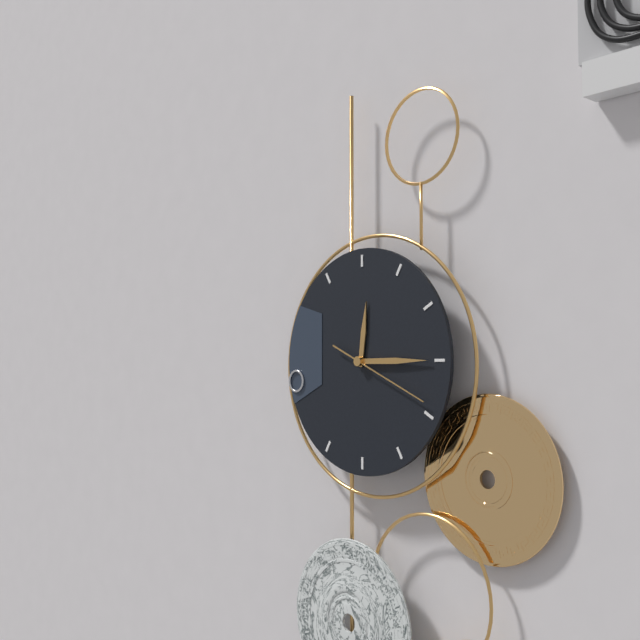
**12:15:19**
